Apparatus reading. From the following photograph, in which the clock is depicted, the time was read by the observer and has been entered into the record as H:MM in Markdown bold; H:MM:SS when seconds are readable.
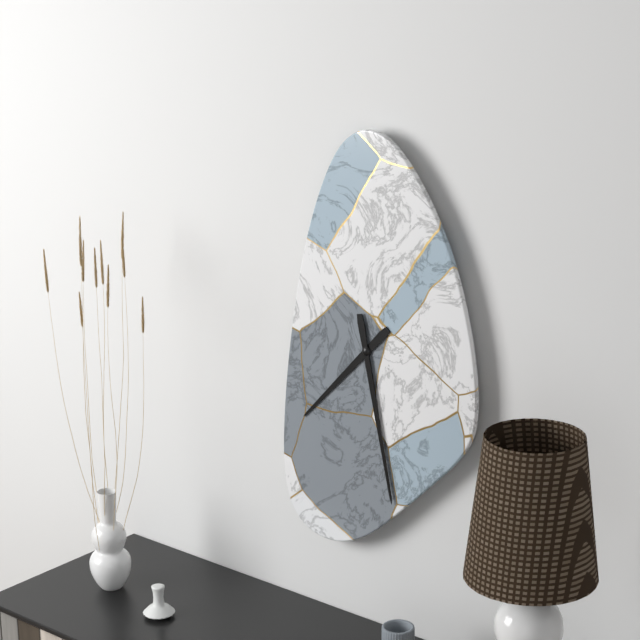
**7:28**
